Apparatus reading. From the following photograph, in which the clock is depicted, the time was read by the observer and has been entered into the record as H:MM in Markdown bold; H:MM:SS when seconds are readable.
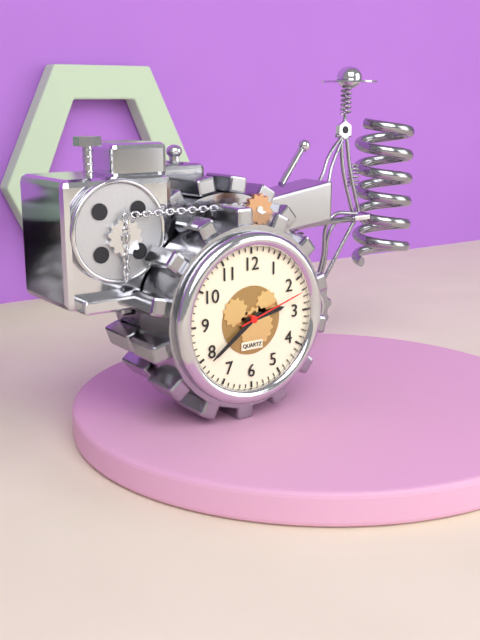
**2:39:12**
